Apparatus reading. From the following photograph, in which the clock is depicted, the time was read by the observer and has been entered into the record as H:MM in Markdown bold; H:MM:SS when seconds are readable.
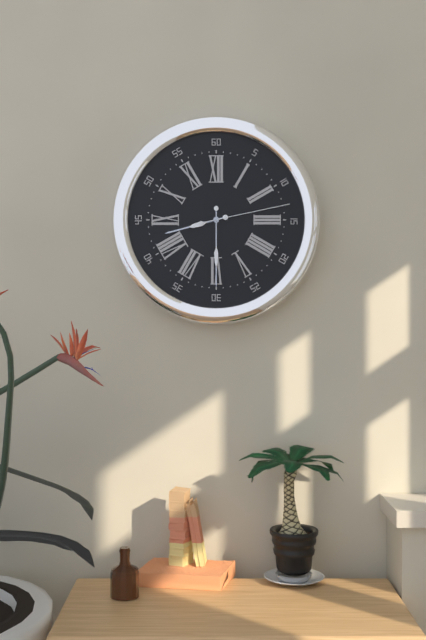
**8:30:13**
